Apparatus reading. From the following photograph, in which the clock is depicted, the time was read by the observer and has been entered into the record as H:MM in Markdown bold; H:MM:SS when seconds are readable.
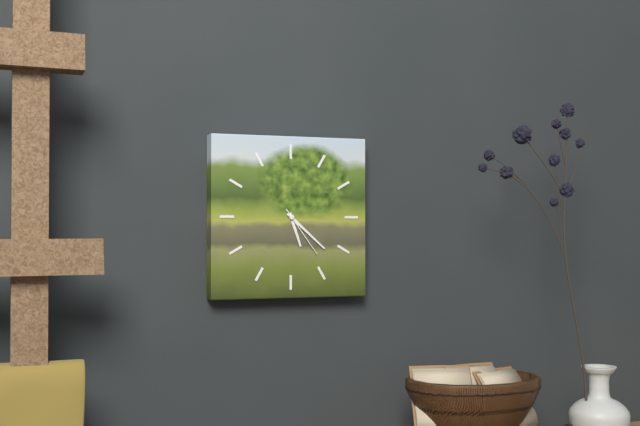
**5:22:24**
